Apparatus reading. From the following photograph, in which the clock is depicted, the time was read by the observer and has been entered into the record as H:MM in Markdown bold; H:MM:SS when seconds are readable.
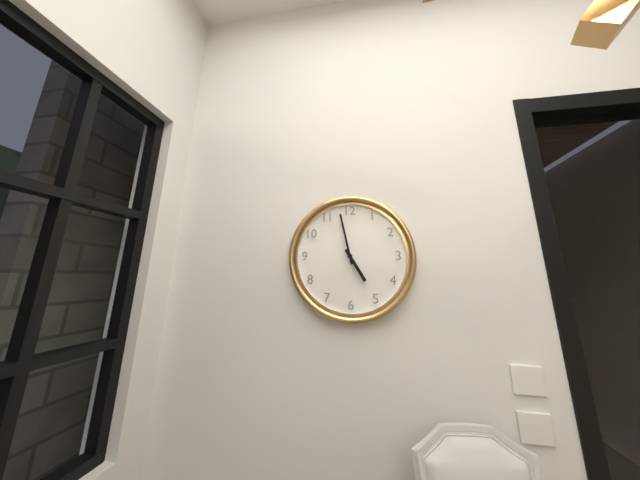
**4:58**
